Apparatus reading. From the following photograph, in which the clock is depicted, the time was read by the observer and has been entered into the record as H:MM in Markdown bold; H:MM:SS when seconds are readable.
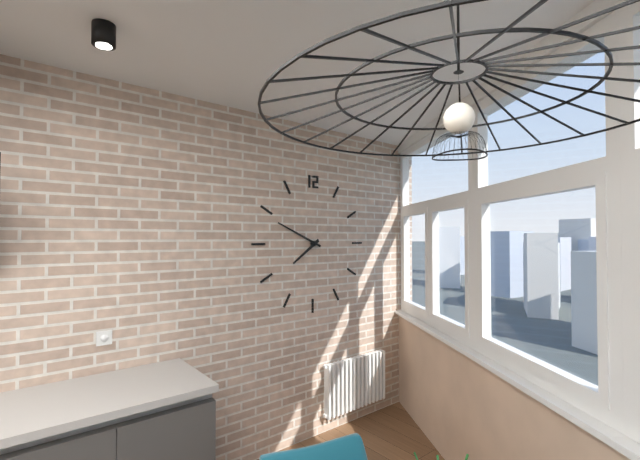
**7:49**
